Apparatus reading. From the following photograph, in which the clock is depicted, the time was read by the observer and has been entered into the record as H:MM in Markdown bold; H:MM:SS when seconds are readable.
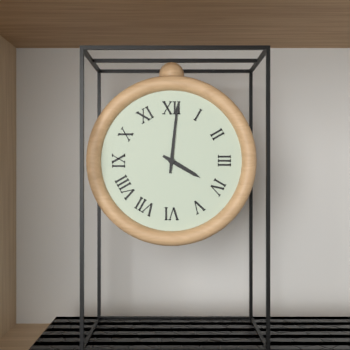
**4:01**
